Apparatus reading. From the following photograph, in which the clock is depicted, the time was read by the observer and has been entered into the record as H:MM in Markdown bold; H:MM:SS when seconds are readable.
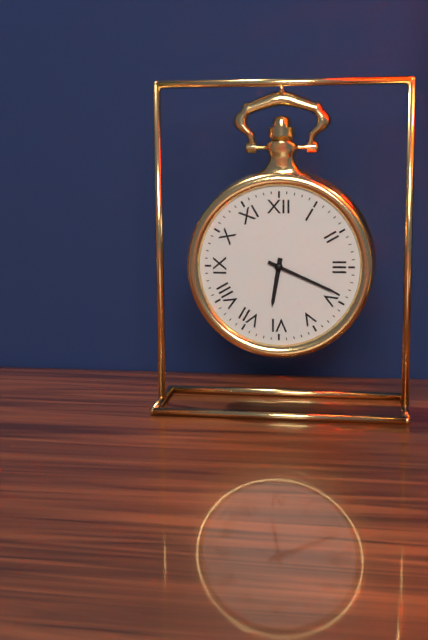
**6:19**
